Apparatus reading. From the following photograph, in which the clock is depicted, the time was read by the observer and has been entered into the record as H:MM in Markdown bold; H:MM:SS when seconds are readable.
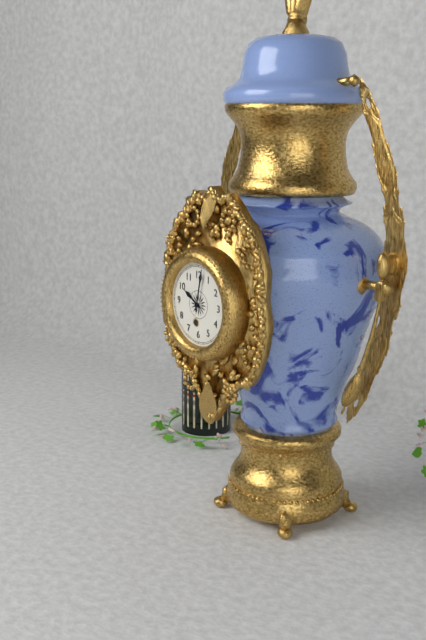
**10:02**
